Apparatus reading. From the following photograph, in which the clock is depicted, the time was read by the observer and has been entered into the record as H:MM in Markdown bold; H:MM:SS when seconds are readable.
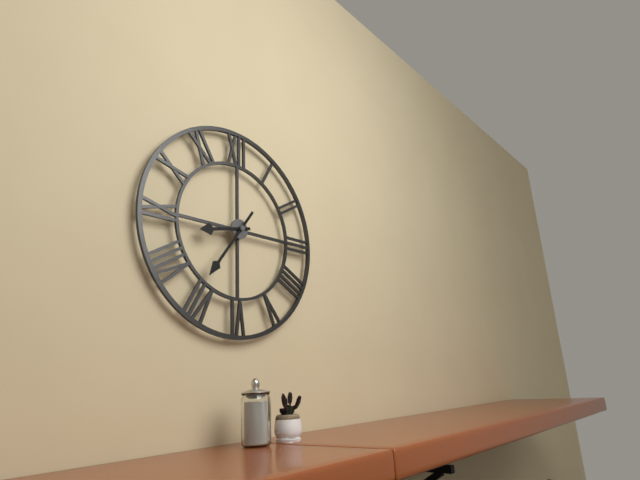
**8:36**
